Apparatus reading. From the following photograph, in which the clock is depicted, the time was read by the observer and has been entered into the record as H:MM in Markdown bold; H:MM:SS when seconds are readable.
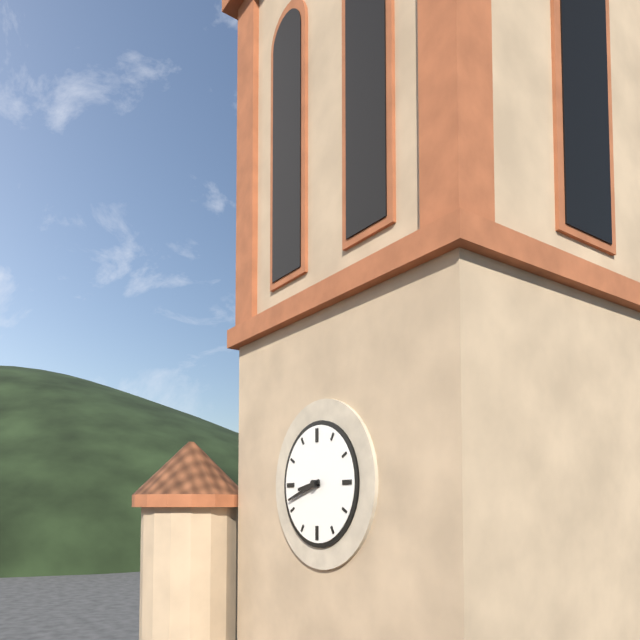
**8:42**
